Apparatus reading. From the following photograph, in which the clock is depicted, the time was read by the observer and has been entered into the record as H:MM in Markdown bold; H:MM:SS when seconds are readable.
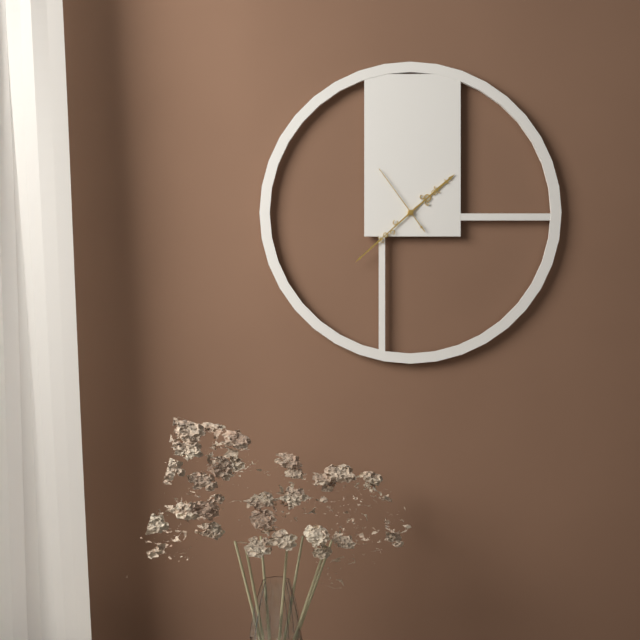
**1:38:54**
